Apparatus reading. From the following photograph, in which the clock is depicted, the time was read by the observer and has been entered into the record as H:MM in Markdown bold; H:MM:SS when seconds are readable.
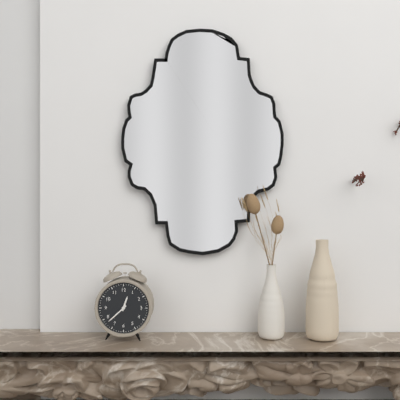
**12:38**
